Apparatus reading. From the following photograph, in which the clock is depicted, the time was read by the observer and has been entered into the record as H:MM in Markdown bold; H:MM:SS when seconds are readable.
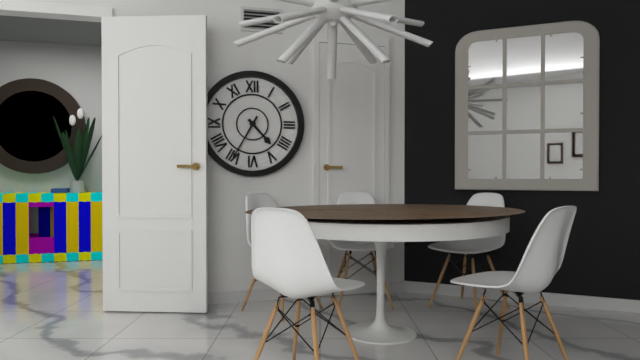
**4:35**
